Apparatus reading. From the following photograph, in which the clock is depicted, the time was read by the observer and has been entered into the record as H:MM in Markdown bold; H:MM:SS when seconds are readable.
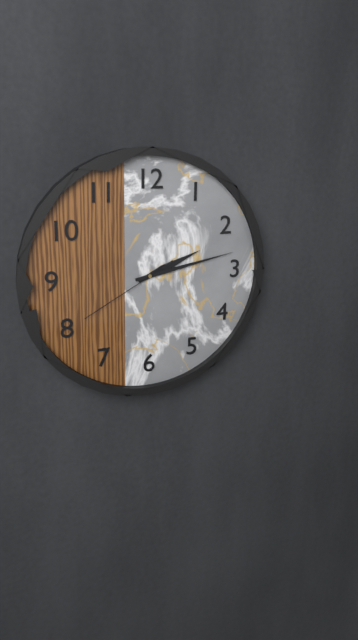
**2:13:40**
